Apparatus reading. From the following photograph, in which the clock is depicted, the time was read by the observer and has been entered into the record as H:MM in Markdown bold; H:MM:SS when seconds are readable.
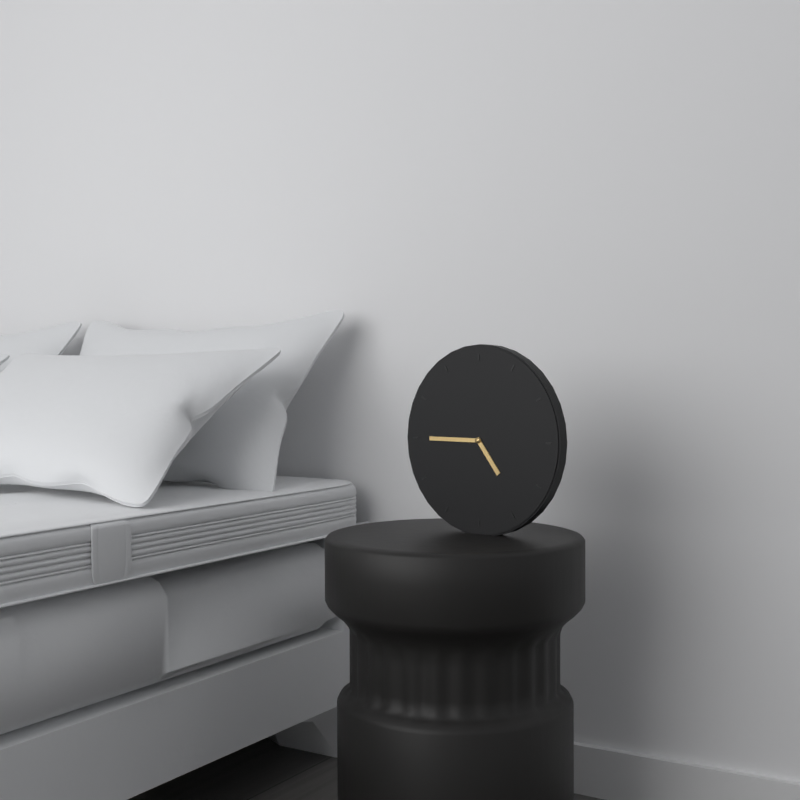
**4:45**
